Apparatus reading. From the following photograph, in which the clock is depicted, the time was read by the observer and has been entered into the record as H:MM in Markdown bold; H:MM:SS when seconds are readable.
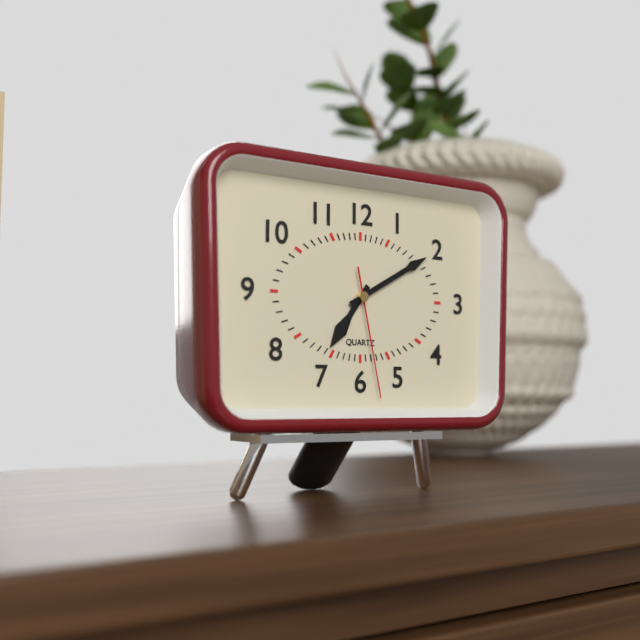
**7:10:28**
